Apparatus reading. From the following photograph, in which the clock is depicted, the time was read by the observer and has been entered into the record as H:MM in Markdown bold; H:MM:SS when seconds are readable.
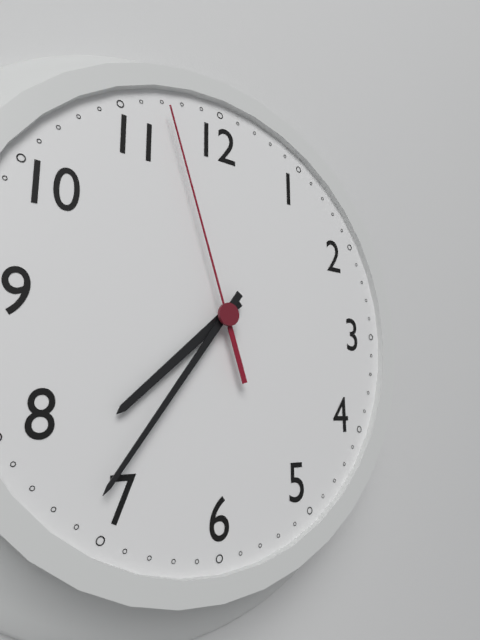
**7:36:57**
